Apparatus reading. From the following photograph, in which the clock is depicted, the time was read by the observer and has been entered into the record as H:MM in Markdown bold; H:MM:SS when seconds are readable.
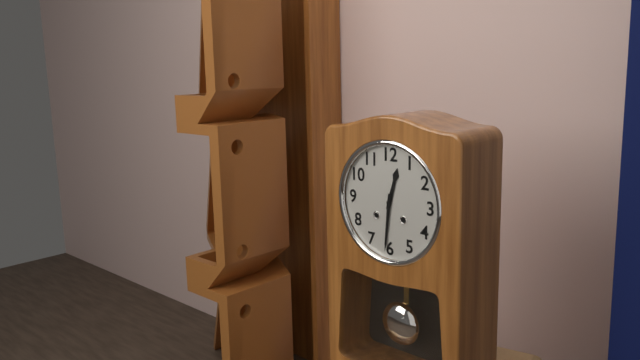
**12:31**
